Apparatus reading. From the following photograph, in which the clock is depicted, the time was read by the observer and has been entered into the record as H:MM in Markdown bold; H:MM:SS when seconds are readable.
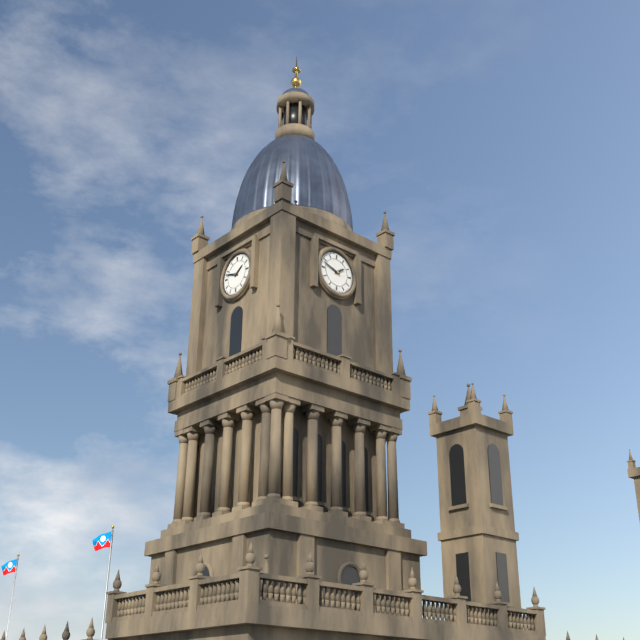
**1:48**
